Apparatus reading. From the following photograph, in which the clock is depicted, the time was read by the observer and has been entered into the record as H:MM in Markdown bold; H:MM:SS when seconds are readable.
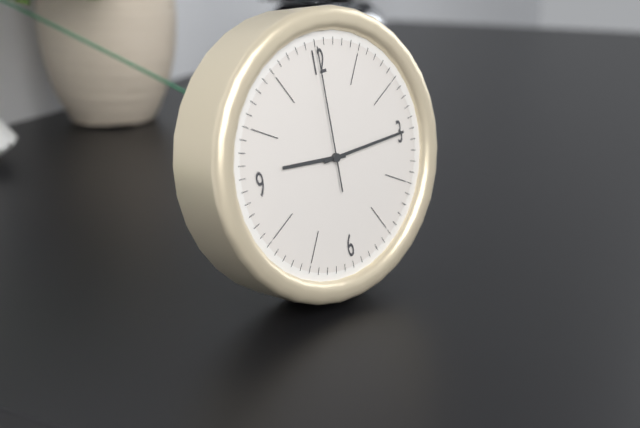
**9:15:00**
